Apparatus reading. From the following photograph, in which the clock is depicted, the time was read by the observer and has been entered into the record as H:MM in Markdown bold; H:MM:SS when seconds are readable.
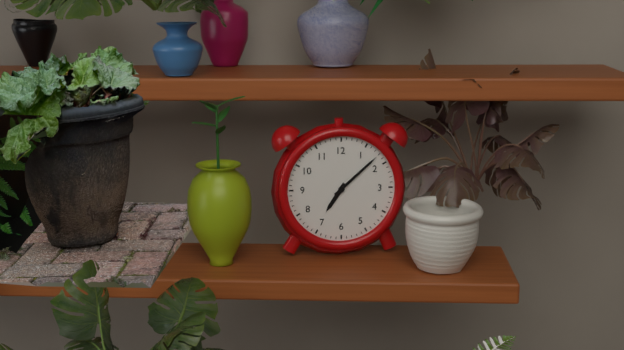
**7:08**
